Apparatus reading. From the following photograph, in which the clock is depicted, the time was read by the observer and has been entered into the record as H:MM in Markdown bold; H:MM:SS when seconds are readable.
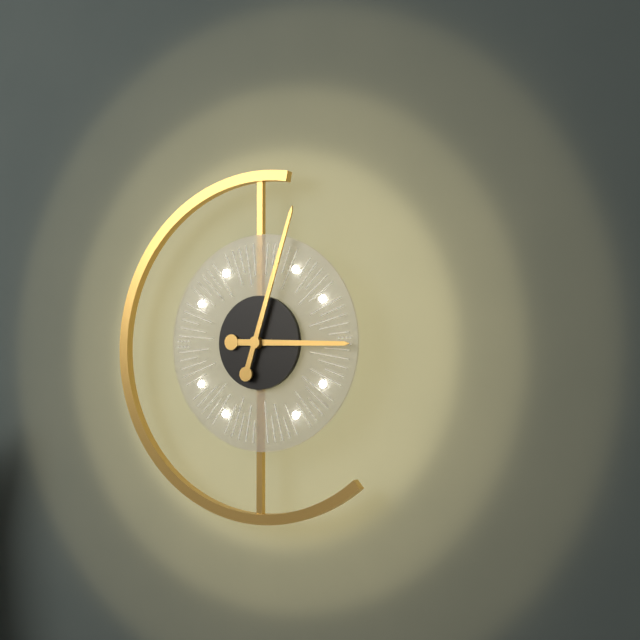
**3:03**
